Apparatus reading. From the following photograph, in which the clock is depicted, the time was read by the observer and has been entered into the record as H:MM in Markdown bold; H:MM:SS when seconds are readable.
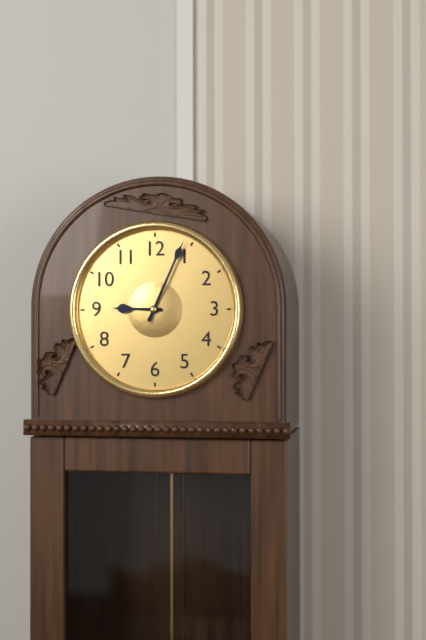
**9:04**
